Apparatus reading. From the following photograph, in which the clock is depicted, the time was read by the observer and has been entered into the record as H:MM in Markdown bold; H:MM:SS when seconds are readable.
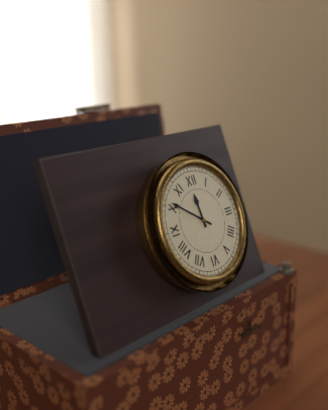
**11:51**
